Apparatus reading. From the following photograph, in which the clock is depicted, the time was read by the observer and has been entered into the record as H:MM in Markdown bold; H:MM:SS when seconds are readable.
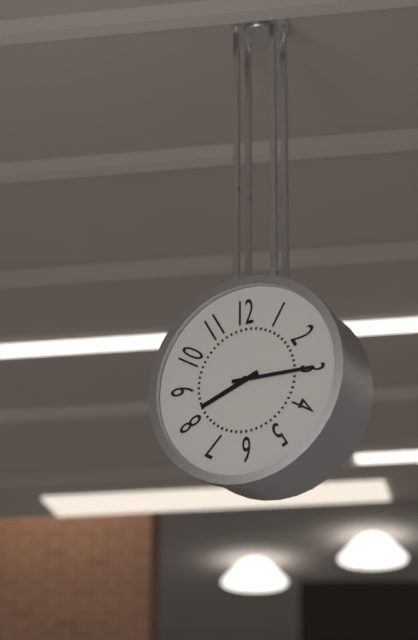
**8:15**
